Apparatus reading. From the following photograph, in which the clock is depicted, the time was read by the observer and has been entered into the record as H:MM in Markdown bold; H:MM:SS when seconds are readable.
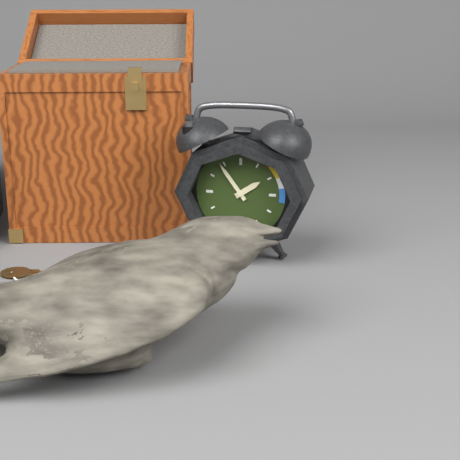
**1:54**
